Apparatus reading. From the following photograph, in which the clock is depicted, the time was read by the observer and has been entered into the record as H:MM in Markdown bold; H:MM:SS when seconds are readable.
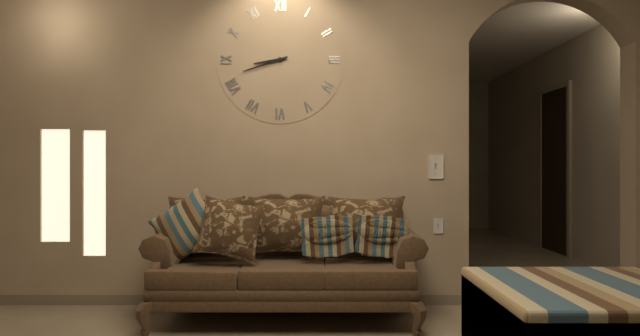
**8:42**
